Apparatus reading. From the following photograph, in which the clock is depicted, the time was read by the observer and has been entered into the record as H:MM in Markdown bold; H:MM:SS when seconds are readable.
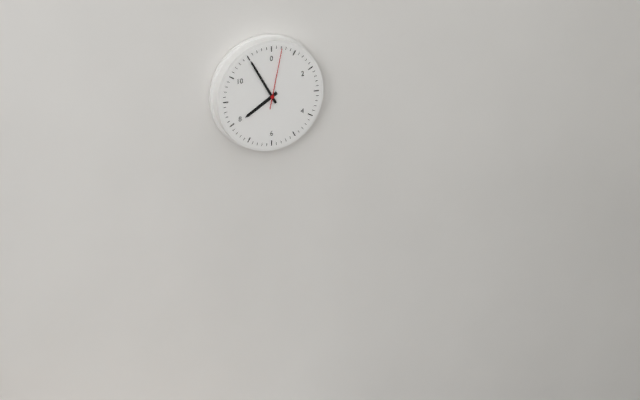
**7:55:02**
